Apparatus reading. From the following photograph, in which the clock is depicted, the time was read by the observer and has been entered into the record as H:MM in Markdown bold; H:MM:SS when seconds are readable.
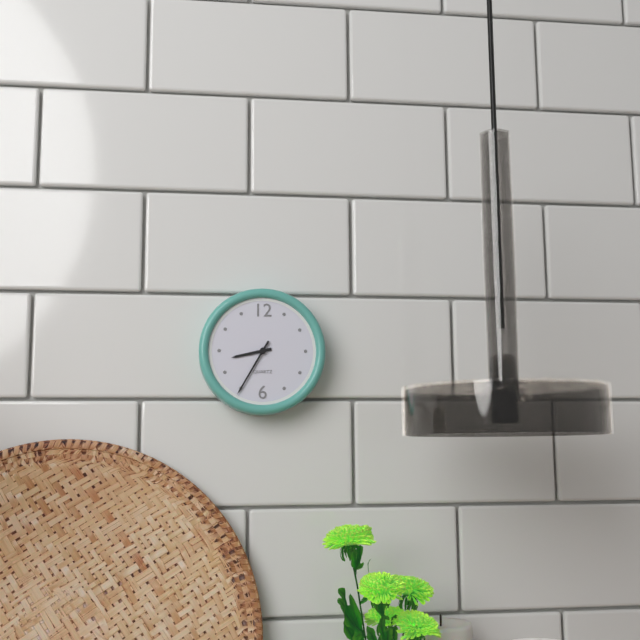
**8:35**
